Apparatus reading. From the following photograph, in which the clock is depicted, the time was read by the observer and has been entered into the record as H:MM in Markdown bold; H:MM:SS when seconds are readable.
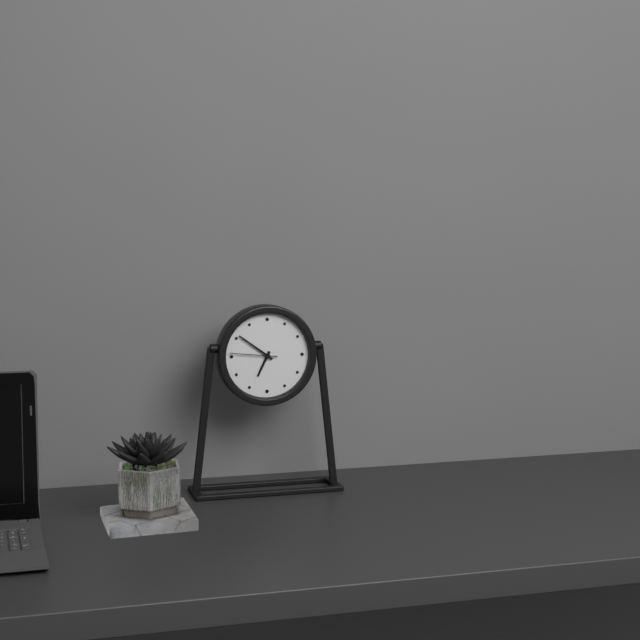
**6:51**
